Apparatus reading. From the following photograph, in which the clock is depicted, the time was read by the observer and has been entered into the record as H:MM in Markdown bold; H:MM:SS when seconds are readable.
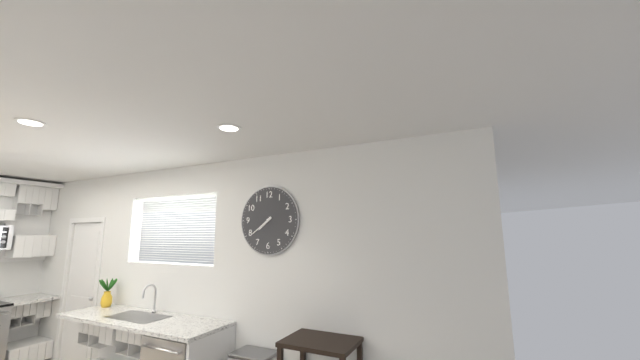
**7:39**
